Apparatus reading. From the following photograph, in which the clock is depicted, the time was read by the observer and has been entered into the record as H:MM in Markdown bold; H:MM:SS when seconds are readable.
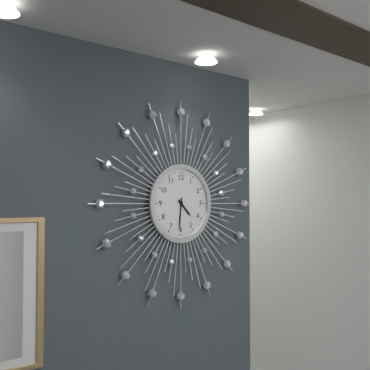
**4:31**
